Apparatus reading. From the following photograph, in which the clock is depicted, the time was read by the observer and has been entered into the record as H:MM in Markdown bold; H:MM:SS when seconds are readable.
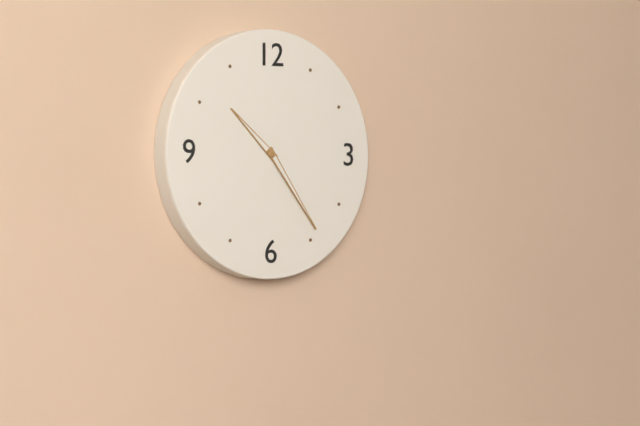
**10:24**
